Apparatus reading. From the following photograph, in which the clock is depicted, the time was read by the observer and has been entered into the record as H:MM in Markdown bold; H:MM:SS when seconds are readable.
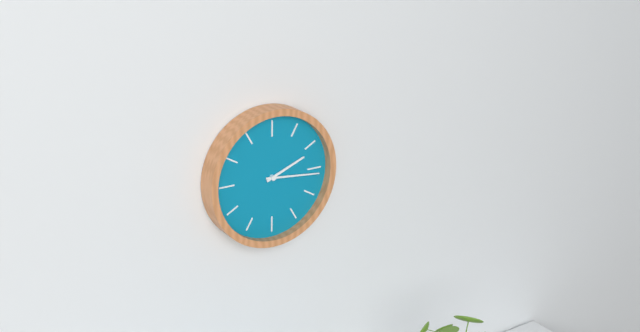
**2:16**
